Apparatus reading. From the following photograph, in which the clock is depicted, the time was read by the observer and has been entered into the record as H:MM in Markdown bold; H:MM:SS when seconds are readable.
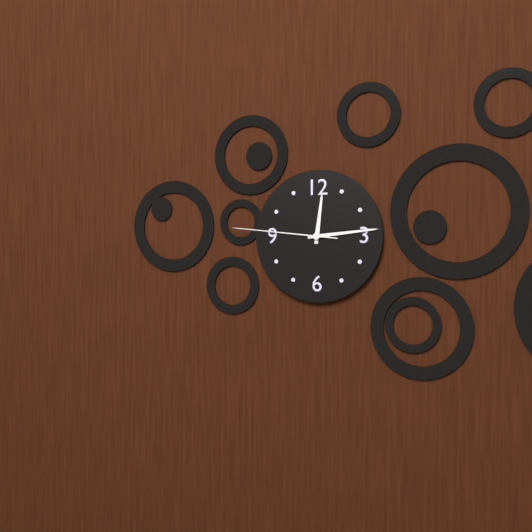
**12:14:46**
